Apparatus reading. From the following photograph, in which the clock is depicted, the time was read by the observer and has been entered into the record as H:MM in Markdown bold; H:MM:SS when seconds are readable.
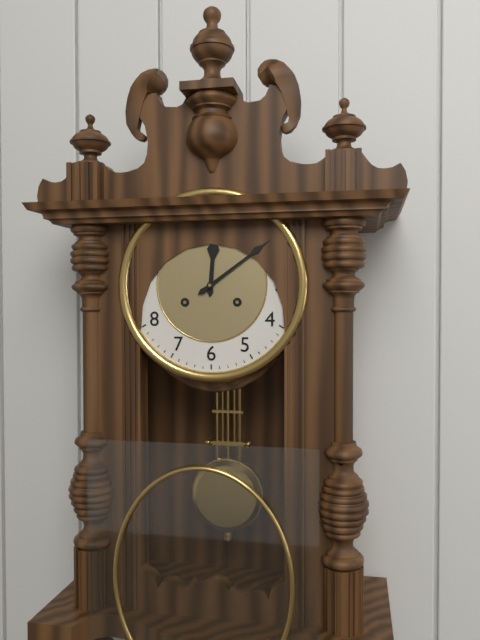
**12:09**
